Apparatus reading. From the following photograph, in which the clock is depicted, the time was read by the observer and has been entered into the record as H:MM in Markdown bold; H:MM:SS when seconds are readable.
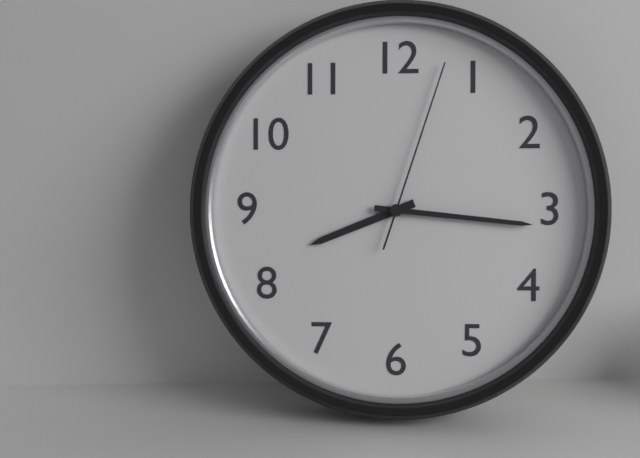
**8:16:03**
